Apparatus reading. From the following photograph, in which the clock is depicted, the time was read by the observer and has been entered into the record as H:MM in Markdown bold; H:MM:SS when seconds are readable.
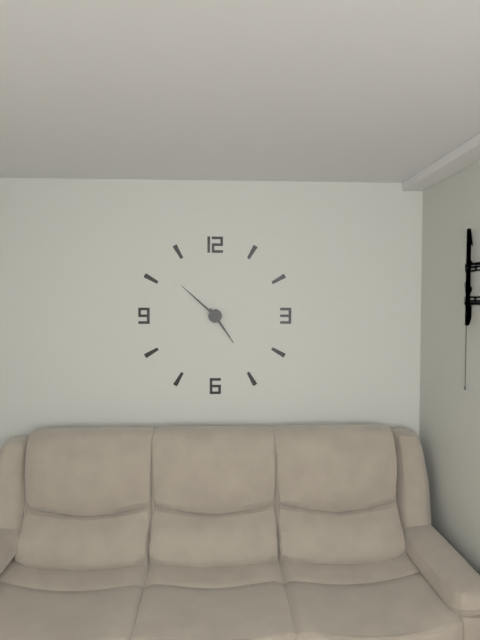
**4:52**
